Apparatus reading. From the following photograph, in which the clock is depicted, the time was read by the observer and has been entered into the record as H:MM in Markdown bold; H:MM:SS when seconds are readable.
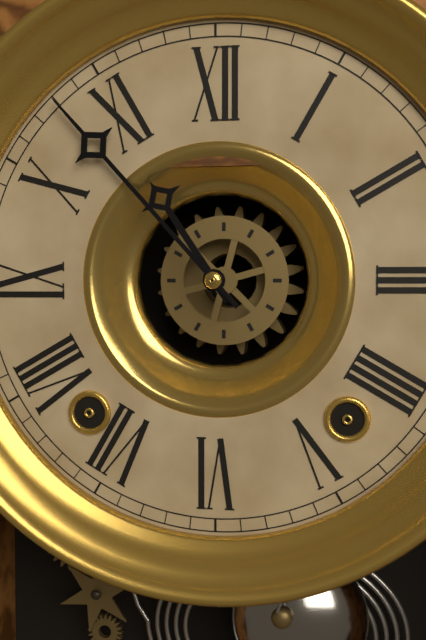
**10:53**
